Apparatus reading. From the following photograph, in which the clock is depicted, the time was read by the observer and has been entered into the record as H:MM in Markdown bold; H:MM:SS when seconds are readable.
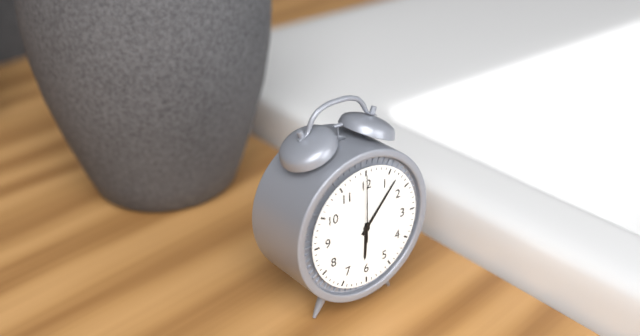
**6:07:00**
